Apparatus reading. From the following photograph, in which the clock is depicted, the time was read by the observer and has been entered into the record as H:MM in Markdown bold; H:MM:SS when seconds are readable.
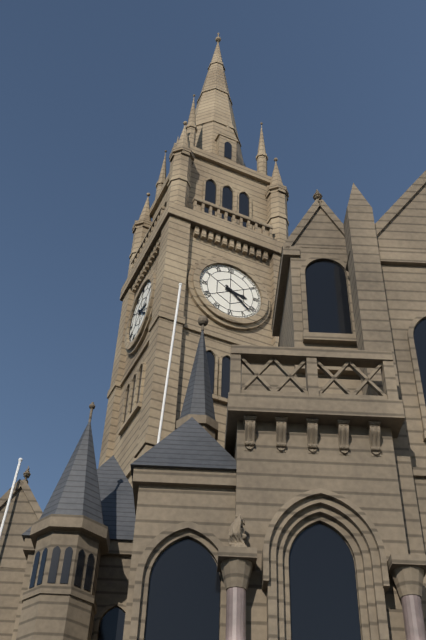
**3:22**
